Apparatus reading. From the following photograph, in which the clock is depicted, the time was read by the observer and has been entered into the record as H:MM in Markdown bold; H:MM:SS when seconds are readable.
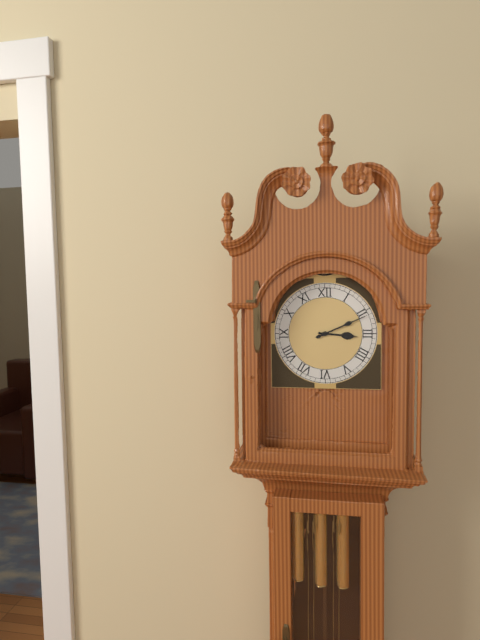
**3:11**
